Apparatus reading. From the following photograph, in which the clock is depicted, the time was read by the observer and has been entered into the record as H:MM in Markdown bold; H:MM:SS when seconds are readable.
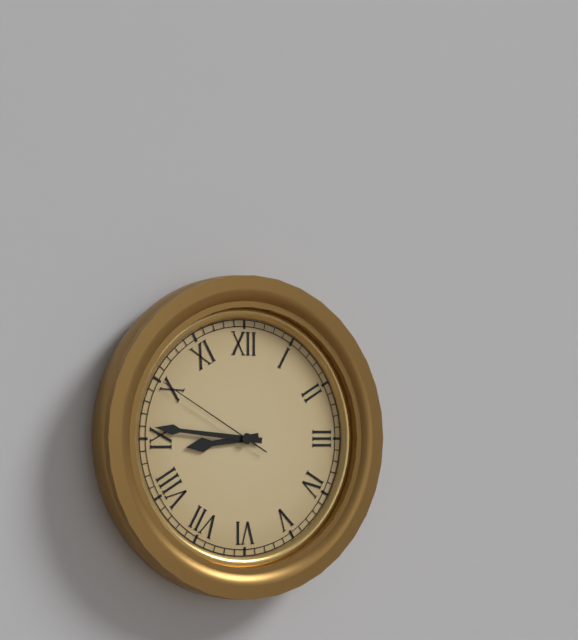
**8:46:50**
